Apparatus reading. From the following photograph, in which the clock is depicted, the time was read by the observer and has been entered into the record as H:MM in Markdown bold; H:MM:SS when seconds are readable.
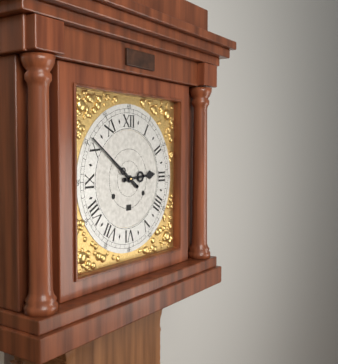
**2:51**
